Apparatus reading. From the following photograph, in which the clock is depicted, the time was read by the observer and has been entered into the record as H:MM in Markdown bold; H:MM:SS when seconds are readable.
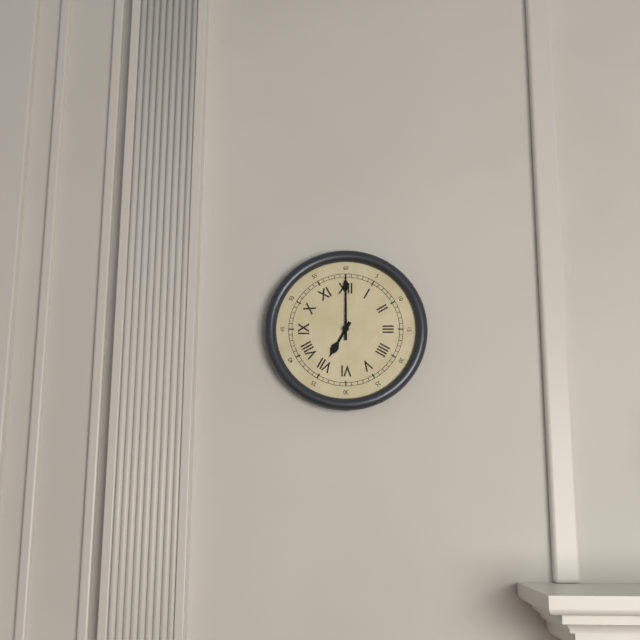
**7:00**
